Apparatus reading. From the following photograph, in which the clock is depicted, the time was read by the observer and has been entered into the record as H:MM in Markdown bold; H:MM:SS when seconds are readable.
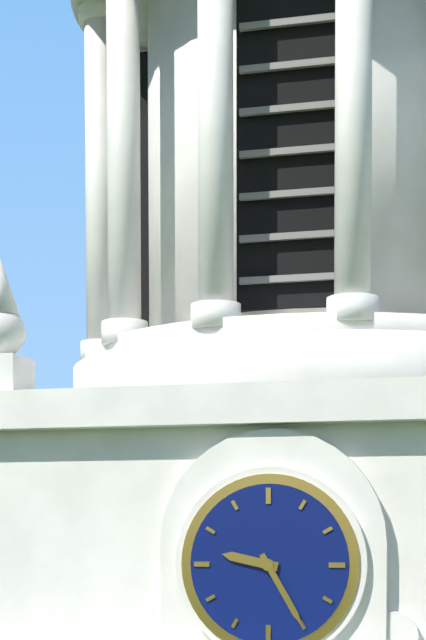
**9:25**
